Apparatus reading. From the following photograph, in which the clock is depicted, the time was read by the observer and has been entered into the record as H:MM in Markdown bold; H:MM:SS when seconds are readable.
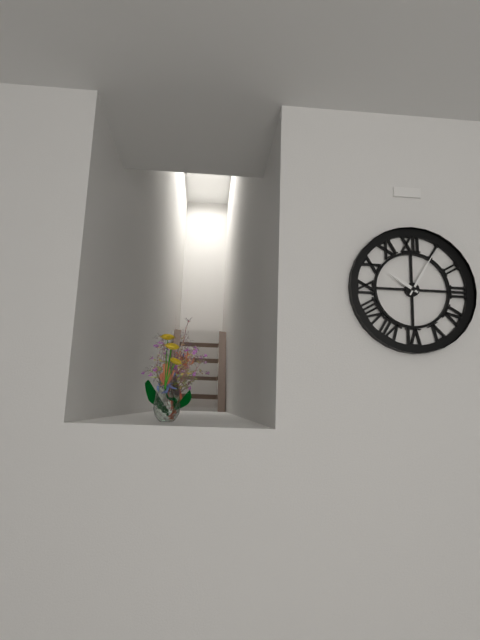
**10:05**
